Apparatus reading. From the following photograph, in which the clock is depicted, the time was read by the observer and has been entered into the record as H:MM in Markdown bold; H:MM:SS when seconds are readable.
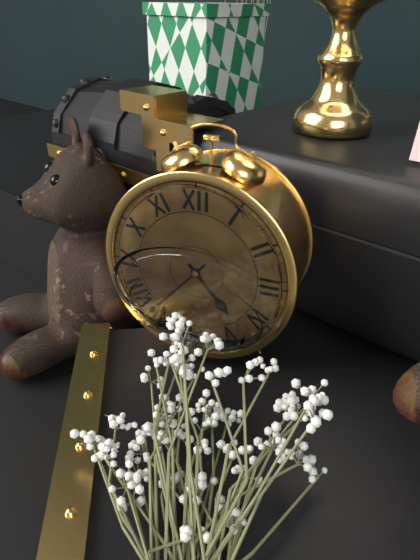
**4:37**
